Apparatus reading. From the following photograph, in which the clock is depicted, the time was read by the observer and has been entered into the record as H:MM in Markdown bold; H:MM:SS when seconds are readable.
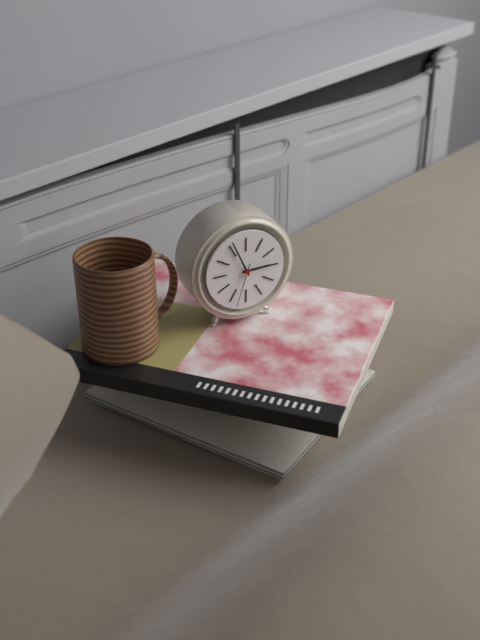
**2:56**
